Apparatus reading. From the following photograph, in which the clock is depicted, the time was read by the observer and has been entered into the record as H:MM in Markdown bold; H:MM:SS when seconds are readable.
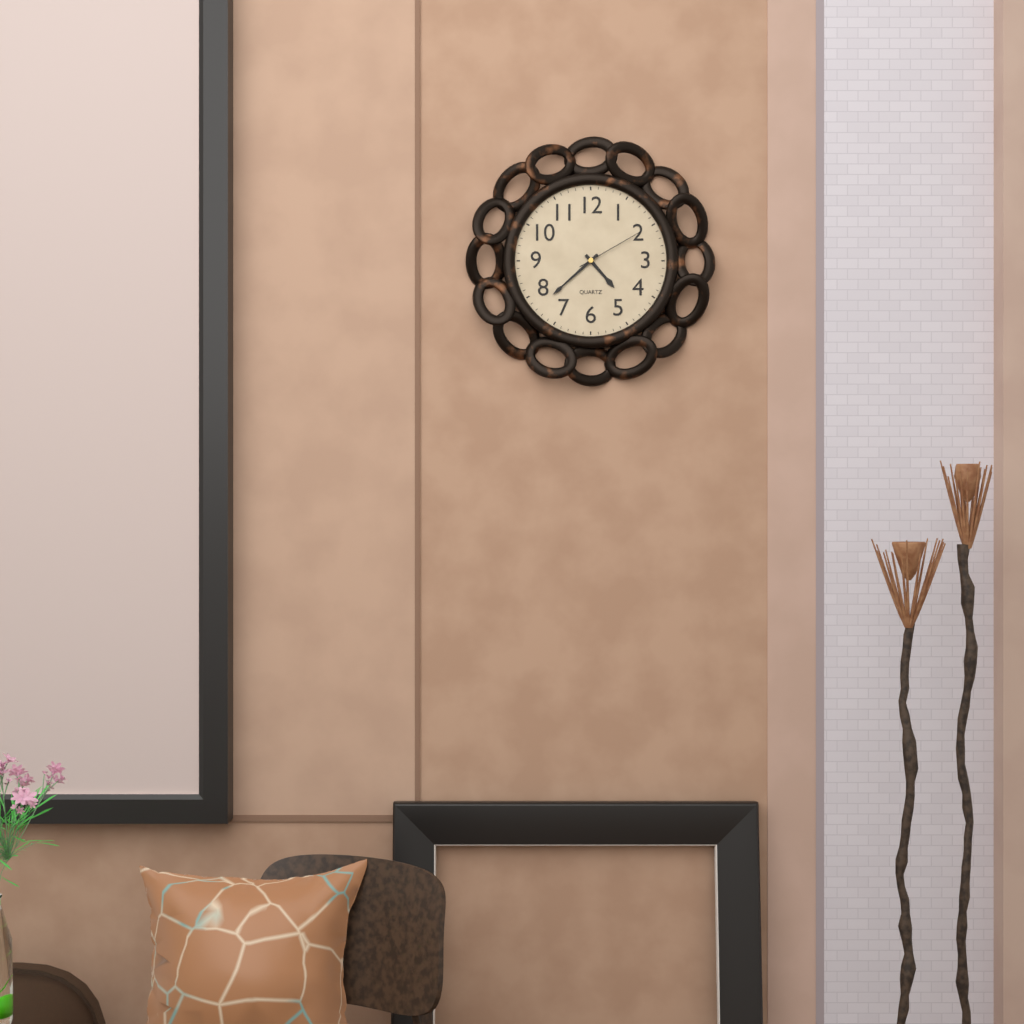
**4:38:10**
